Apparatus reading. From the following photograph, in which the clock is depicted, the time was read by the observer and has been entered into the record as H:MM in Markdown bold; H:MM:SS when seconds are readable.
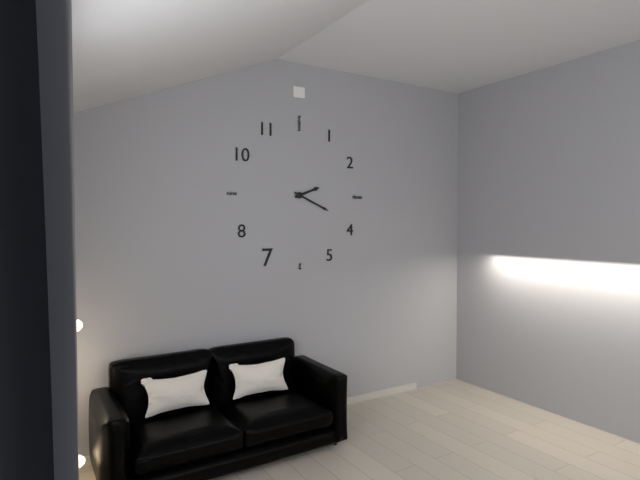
**2:19**
